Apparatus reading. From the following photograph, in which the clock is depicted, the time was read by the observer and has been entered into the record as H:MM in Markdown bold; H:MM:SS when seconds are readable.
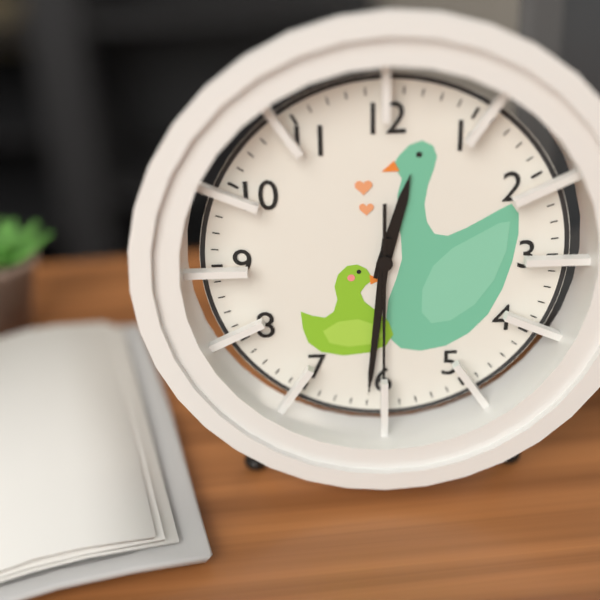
**12:31:30**
